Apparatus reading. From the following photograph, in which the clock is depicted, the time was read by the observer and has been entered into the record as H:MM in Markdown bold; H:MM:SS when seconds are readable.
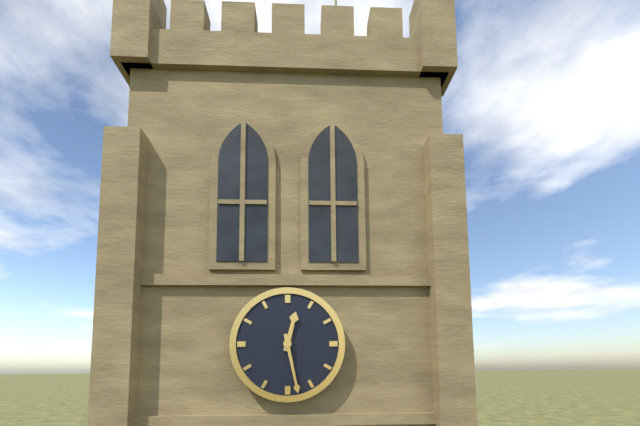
**12:28**
